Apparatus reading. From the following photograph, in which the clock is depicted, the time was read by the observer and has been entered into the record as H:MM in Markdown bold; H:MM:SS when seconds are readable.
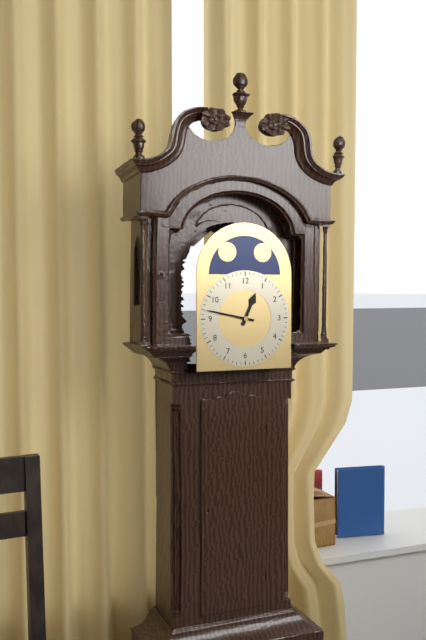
**12:47**
